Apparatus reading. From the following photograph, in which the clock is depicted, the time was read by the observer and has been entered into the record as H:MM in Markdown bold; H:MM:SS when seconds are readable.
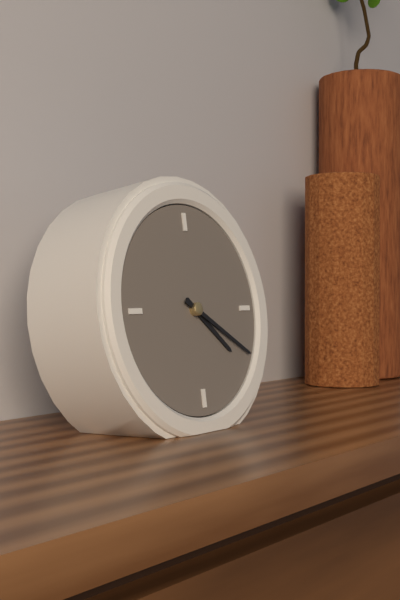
**4:20**
